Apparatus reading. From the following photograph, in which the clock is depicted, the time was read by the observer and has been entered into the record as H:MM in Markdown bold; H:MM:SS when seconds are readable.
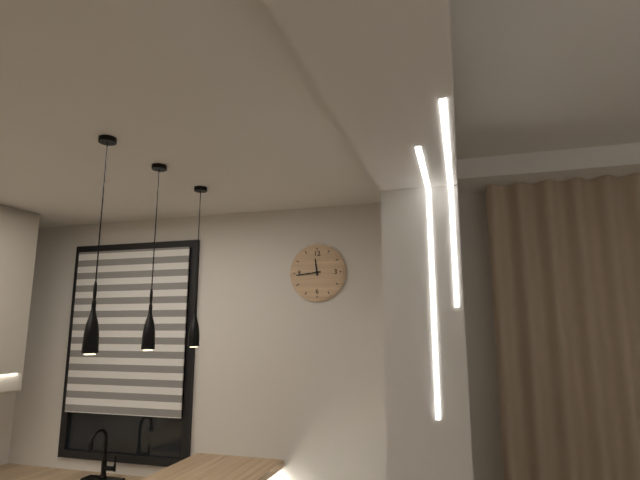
**11:44**
